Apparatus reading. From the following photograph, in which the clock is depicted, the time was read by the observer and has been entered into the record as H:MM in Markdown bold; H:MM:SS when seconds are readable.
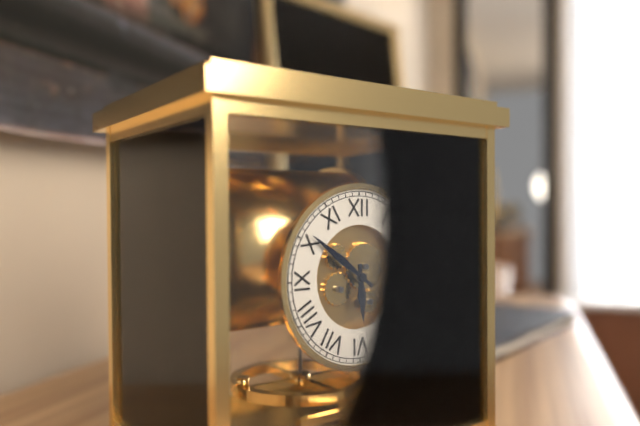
**5:51**
